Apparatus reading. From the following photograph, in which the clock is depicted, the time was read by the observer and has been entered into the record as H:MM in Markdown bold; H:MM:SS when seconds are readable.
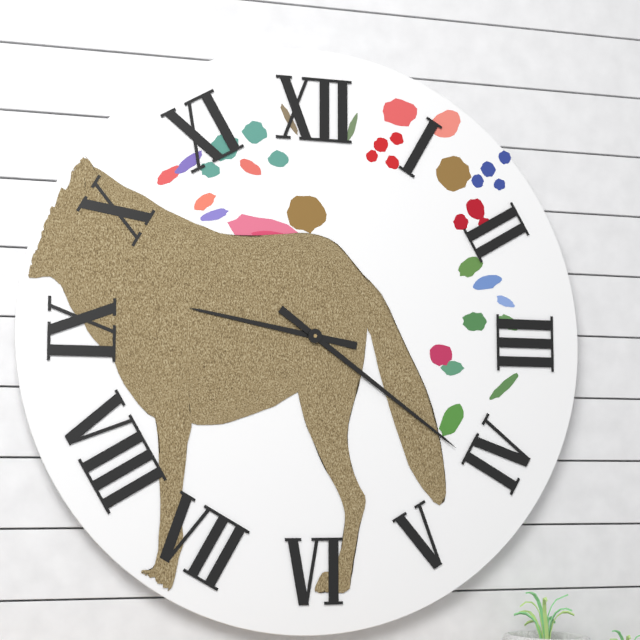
**9:21**
